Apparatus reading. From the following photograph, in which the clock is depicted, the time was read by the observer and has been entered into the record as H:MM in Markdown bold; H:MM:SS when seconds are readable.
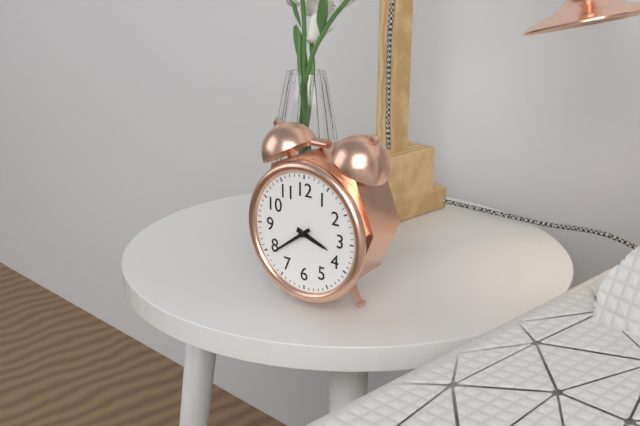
**3:39**
